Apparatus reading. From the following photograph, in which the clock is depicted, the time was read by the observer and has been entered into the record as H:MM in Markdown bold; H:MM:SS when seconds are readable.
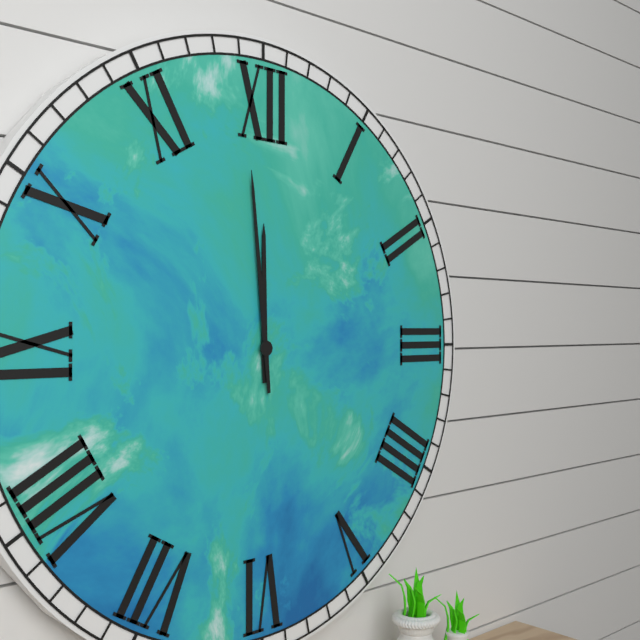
**11:59**
